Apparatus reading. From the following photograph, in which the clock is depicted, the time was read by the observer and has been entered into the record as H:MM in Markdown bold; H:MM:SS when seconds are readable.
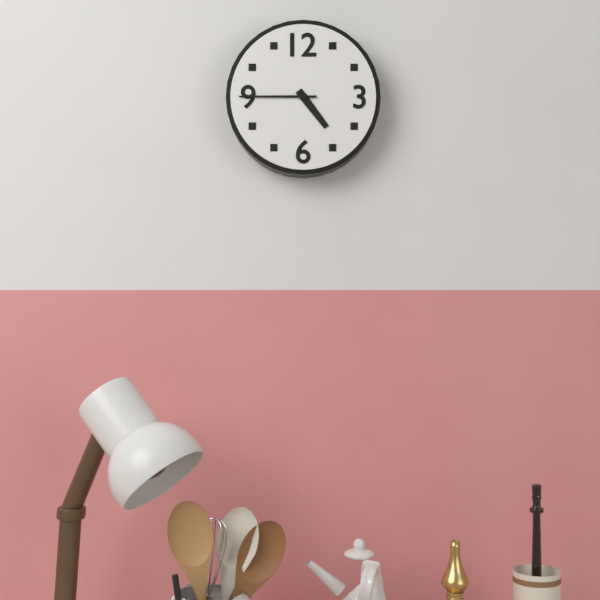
**4:45**
